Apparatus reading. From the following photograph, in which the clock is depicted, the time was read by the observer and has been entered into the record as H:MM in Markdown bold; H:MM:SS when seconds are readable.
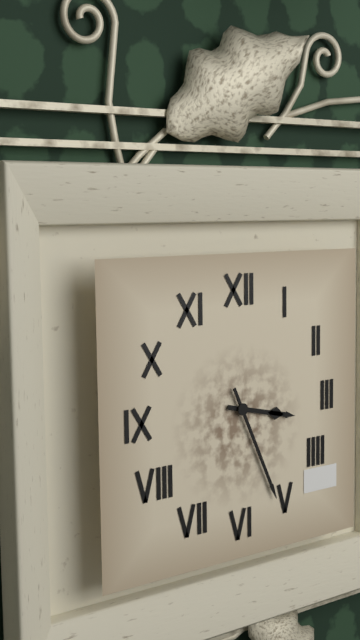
**3:26**
